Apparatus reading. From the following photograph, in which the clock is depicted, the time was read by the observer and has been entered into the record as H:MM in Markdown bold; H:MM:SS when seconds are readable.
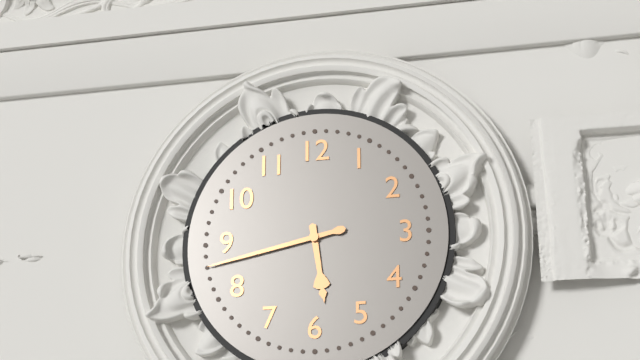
**5:43**
